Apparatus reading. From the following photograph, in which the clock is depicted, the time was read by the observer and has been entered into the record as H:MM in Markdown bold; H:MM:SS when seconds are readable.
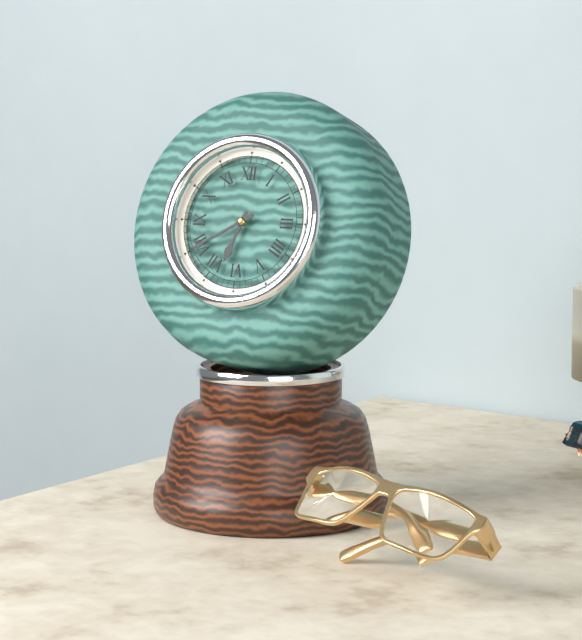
**6:40**
